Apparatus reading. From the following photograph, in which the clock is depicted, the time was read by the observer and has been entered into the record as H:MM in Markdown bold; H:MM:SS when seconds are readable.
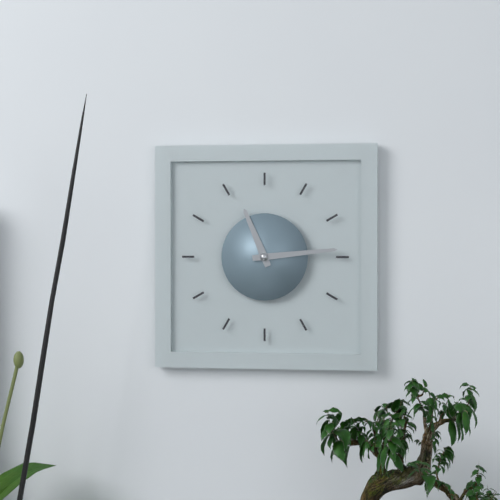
**11:14**
